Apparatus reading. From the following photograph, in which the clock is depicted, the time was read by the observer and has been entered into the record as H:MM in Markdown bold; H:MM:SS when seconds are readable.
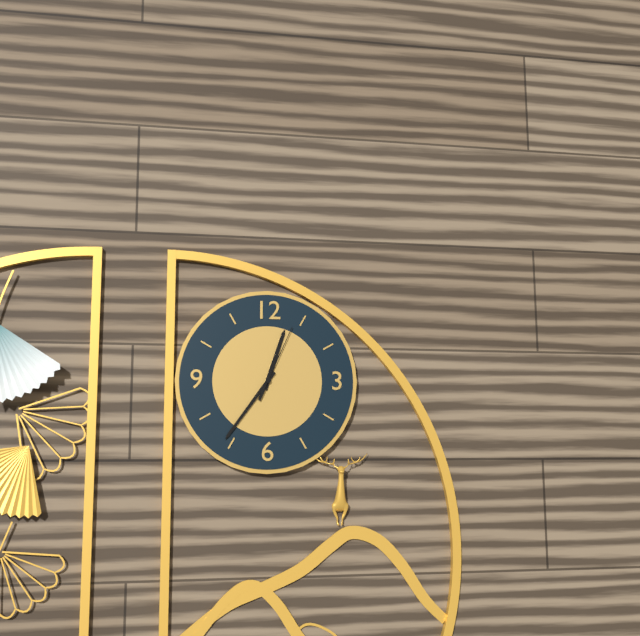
**12:36:04**
